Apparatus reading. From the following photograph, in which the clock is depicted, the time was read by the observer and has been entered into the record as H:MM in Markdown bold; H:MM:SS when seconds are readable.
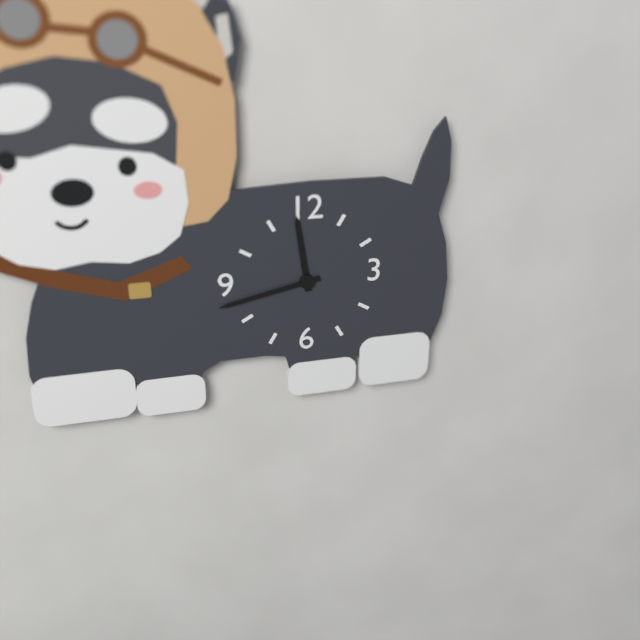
**11:43**
